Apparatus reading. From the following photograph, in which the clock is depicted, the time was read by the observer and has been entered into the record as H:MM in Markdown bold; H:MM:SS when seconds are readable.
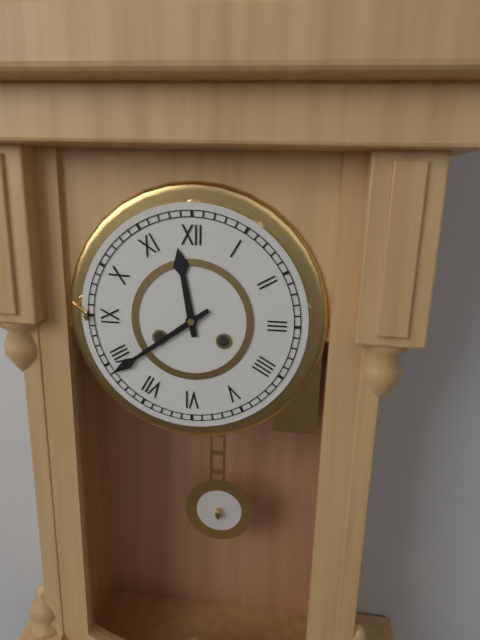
**11:39**
